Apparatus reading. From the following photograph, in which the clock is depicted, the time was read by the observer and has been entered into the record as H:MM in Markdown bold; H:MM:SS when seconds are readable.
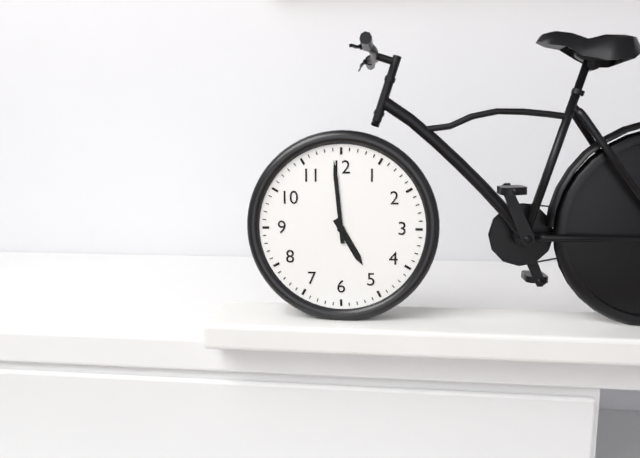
**4:59**
